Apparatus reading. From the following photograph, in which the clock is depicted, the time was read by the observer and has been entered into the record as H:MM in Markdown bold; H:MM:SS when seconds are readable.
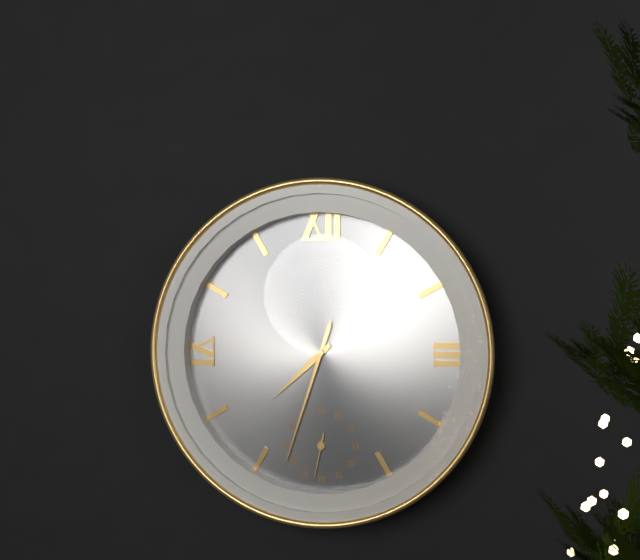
**7:33:32**
